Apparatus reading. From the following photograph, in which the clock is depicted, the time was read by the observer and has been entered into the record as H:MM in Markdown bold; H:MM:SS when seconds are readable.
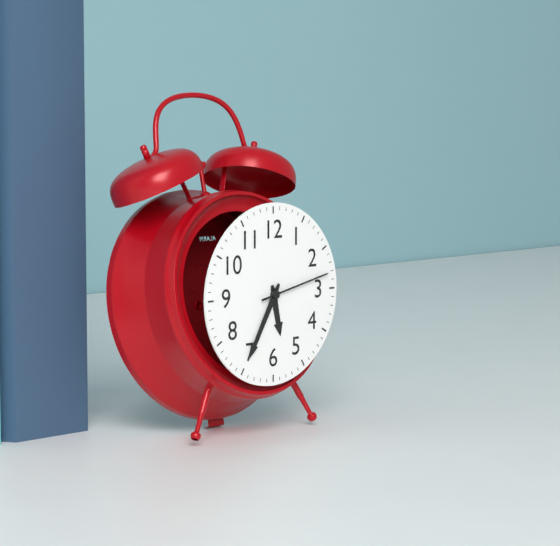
**5:35:13**
